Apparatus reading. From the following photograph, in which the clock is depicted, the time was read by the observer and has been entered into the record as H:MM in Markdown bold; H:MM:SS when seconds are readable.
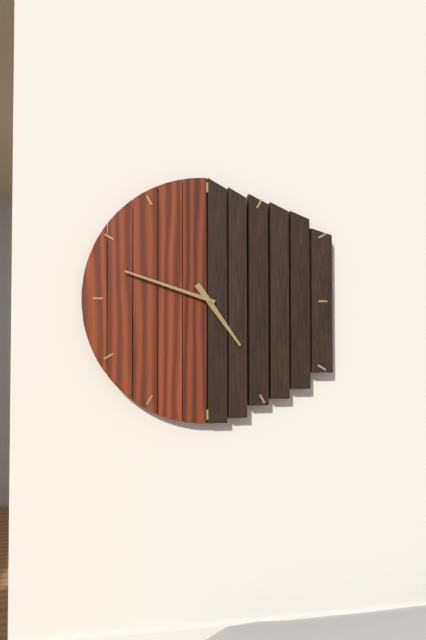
**4:48**
